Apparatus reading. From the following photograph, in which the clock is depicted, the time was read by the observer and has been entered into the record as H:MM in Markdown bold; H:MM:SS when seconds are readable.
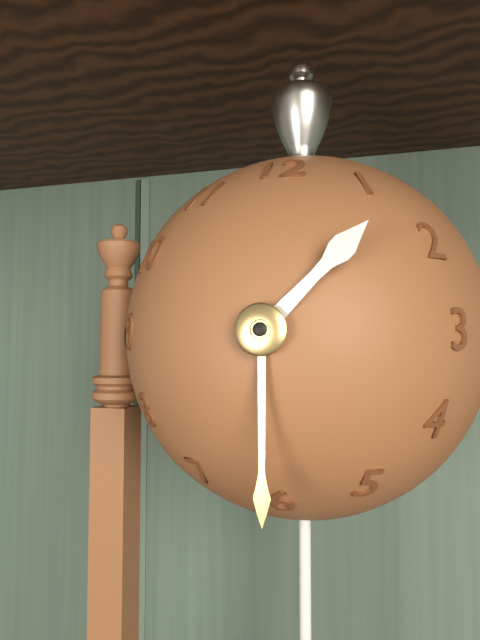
**1:30**
